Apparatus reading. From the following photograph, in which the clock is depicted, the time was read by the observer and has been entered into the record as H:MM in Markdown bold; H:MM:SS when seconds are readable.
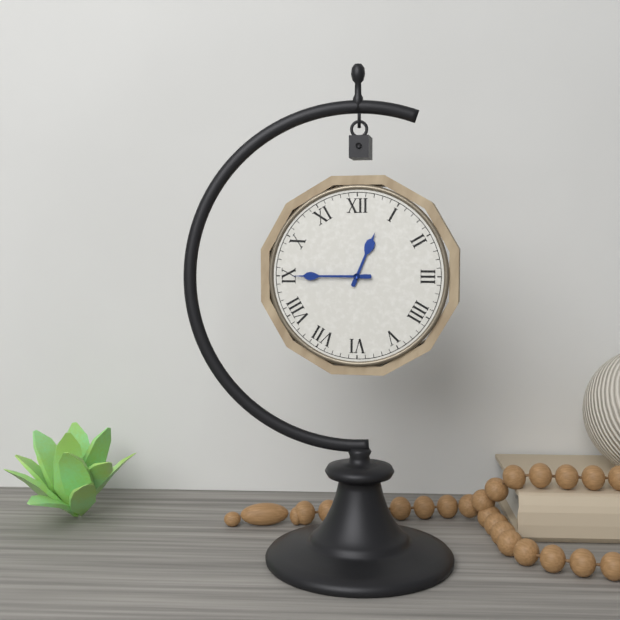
**12:45**
